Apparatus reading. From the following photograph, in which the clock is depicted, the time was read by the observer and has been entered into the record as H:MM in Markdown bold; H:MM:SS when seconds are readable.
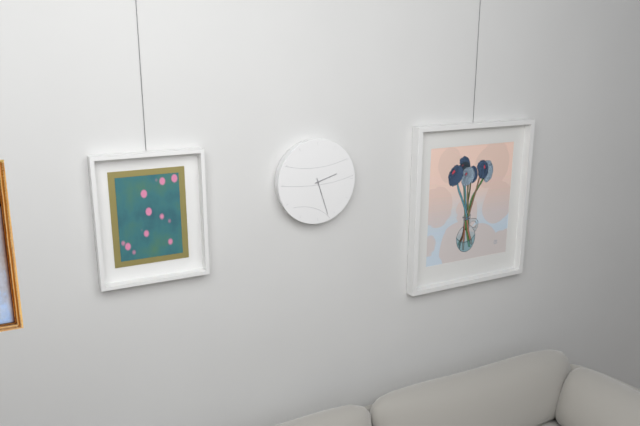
**2:27**
